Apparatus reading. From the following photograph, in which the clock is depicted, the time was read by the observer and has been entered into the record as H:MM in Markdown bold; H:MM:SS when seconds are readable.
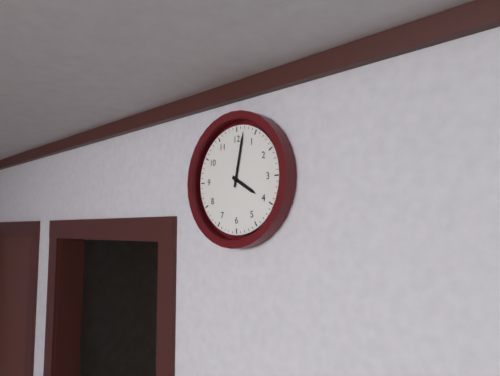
**4:02**
